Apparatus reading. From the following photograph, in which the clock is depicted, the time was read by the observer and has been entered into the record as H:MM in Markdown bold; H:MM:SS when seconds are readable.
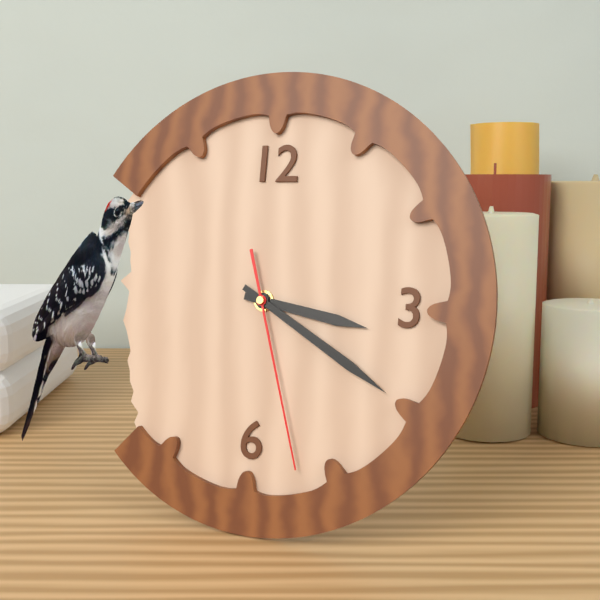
**3:20:27**
